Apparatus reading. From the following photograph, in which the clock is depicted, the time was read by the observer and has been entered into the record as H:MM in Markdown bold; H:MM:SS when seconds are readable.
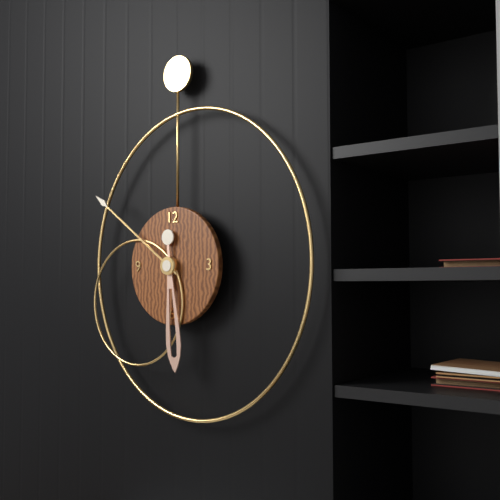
**5:51**
